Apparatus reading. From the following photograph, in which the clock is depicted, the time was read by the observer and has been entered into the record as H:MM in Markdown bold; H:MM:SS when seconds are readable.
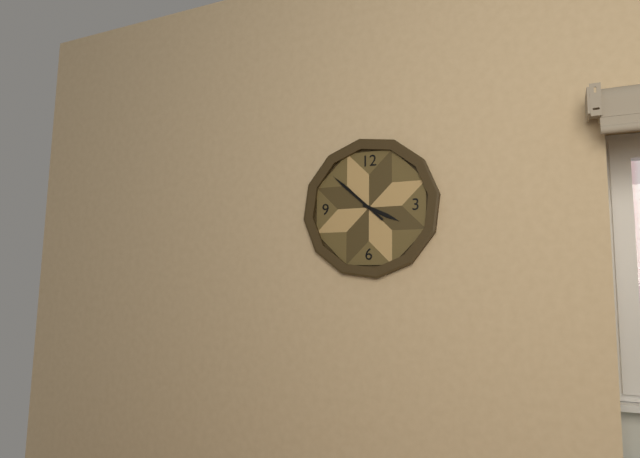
**3:52**
